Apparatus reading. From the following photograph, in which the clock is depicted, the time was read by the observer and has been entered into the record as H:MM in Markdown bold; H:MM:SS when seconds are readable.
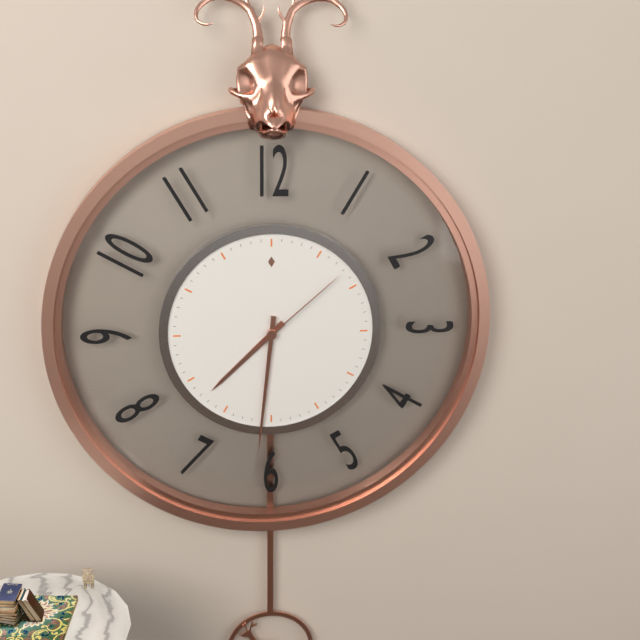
**7:31:08**
